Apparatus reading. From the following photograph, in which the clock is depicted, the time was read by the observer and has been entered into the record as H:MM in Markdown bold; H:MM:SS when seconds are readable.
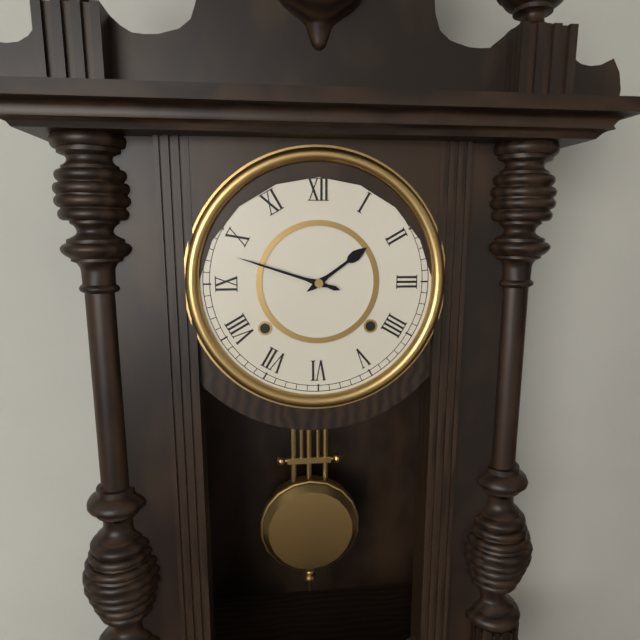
**1:48**
